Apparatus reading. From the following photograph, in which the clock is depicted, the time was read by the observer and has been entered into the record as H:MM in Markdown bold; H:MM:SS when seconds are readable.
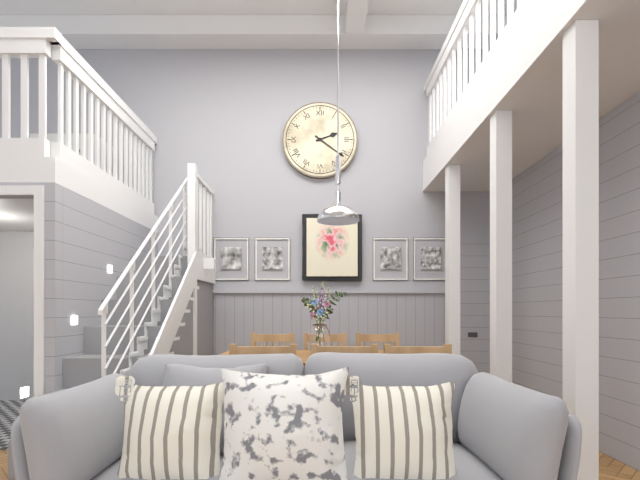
**2:21**
